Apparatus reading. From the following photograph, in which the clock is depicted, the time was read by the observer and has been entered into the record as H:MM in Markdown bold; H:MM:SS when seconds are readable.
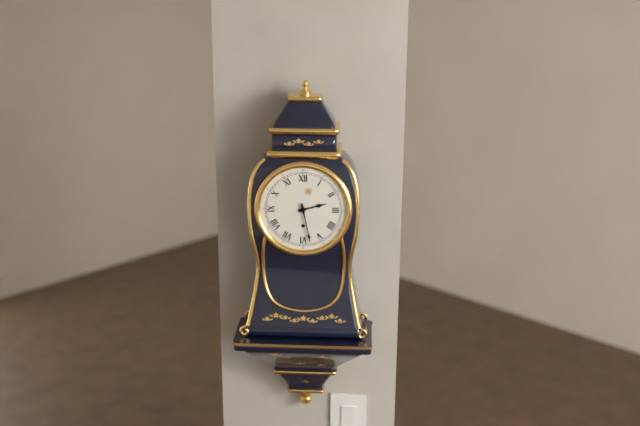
**2:28**
